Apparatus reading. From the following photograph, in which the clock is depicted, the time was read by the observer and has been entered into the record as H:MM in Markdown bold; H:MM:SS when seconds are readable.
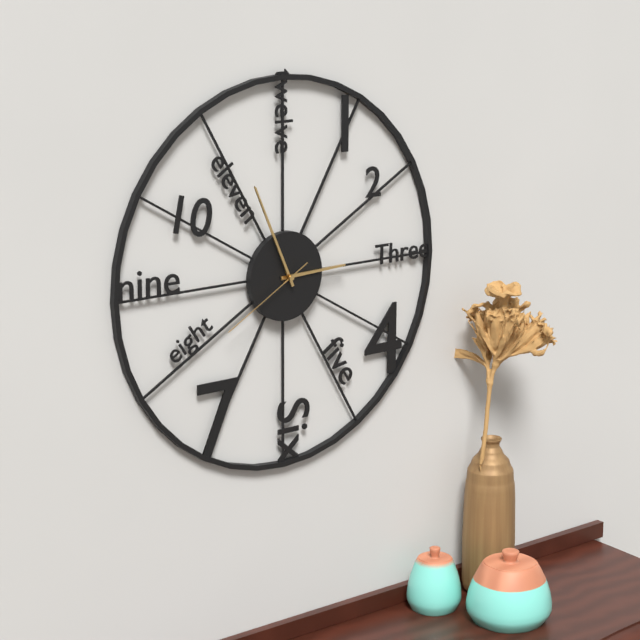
**2:56:40**
